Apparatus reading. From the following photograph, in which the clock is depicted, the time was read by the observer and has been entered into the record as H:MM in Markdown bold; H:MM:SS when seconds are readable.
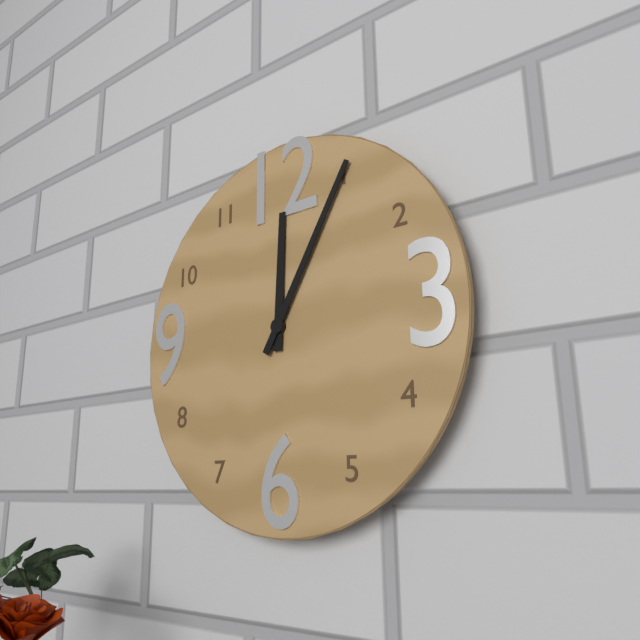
**12:05**
